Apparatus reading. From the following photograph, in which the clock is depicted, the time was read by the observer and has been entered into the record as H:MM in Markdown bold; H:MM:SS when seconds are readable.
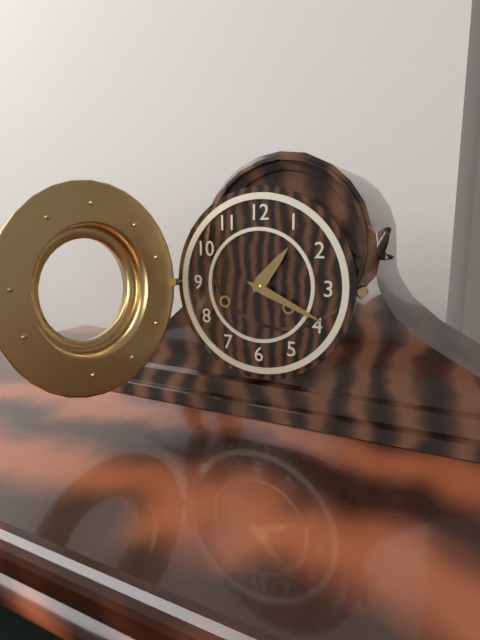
**1:19**
